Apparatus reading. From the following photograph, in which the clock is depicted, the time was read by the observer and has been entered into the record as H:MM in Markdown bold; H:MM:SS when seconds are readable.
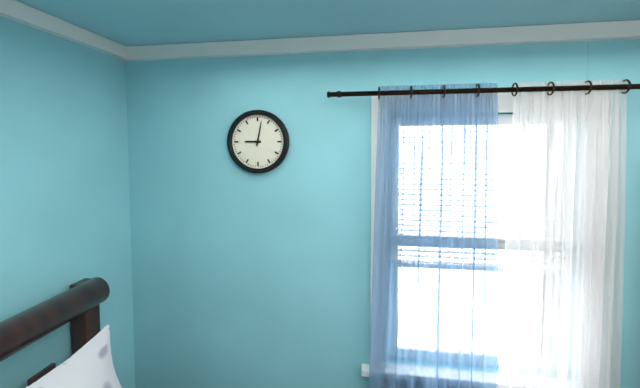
**9:02**
